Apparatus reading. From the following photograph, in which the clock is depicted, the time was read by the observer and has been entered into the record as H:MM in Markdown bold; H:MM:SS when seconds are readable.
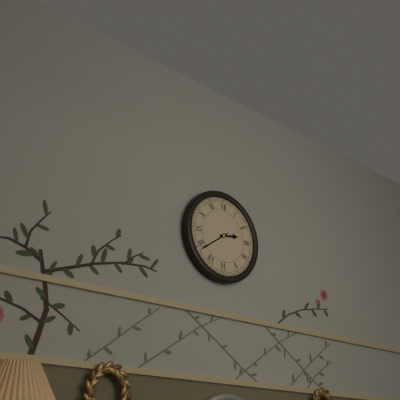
**2:39**
